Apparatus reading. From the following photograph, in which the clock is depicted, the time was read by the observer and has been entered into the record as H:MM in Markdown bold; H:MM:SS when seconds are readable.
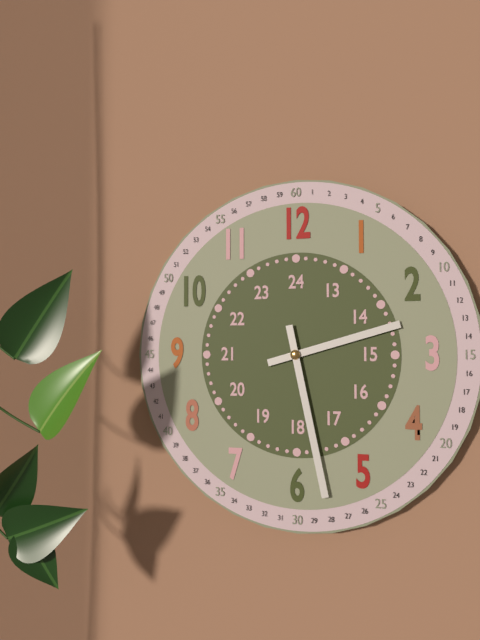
**2:28**
